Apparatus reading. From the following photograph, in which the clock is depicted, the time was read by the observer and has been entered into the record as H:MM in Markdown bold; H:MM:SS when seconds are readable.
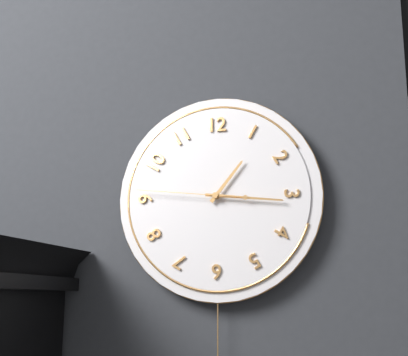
**1:16:46**
